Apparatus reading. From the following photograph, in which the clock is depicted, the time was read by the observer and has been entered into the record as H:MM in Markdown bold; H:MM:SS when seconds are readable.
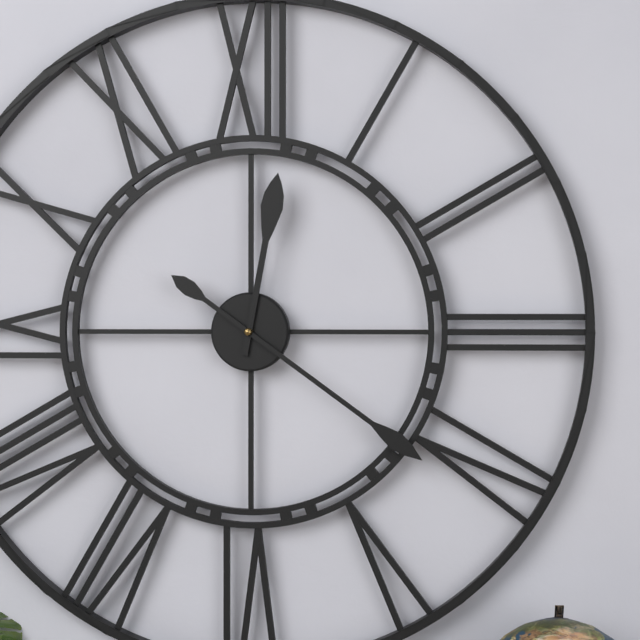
**12:21**
